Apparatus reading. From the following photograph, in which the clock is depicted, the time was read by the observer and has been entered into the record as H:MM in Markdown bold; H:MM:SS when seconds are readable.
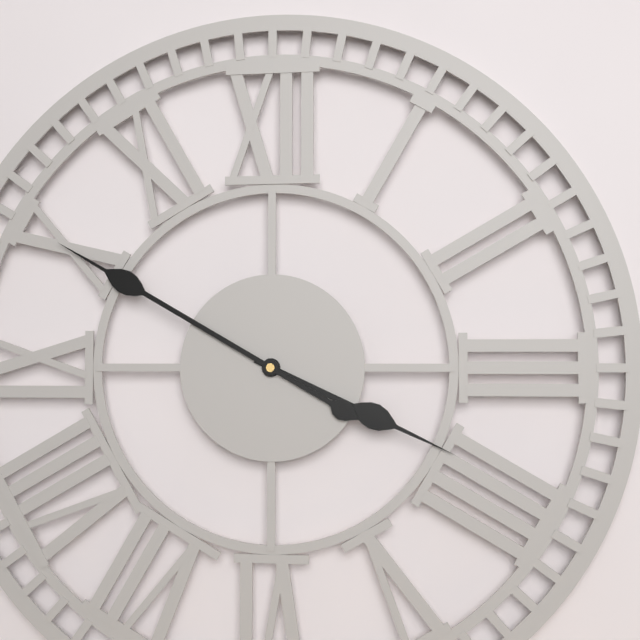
**3:50**
